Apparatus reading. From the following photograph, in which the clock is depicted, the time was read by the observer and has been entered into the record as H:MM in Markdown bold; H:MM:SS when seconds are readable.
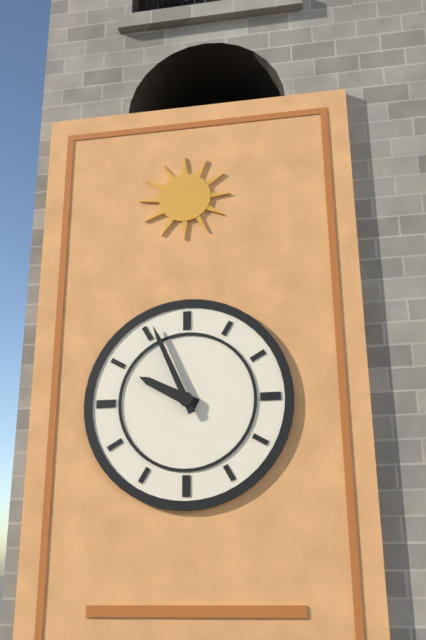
**9:56**
